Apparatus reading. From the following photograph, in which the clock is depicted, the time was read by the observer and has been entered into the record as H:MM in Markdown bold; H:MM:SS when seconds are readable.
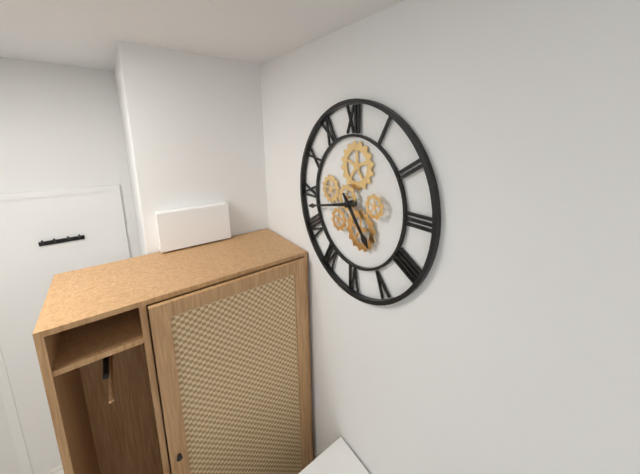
**4:43**
